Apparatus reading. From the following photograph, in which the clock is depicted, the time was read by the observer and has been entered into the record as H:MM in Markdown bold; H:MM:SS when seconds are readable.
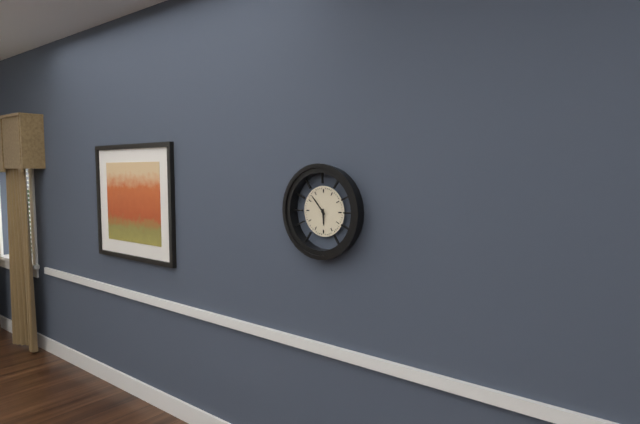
**5:53**
